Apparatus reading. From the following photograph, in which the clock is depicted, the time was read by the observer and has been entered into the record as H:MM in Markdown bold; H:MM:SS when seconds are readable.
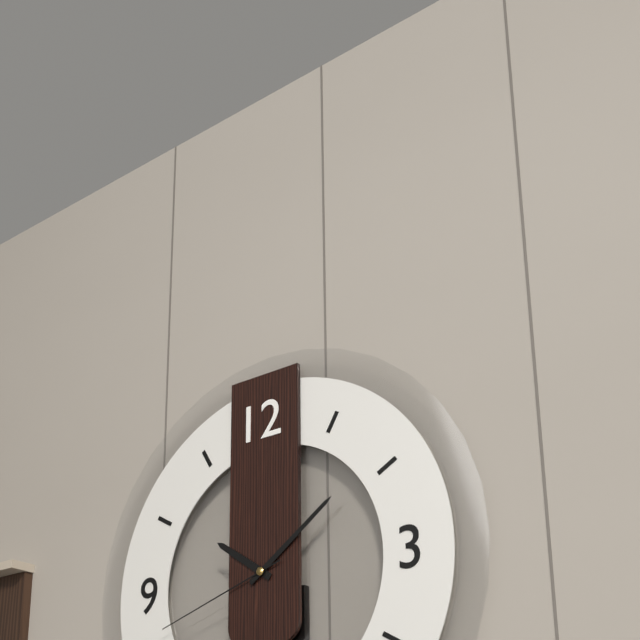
**10:09:42**
